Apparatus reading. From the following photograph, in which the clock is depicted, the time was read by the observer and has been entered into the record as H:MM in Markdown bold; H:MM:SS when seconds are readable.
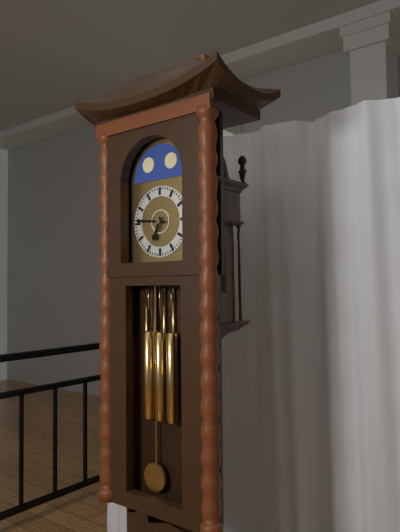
**6:46**
